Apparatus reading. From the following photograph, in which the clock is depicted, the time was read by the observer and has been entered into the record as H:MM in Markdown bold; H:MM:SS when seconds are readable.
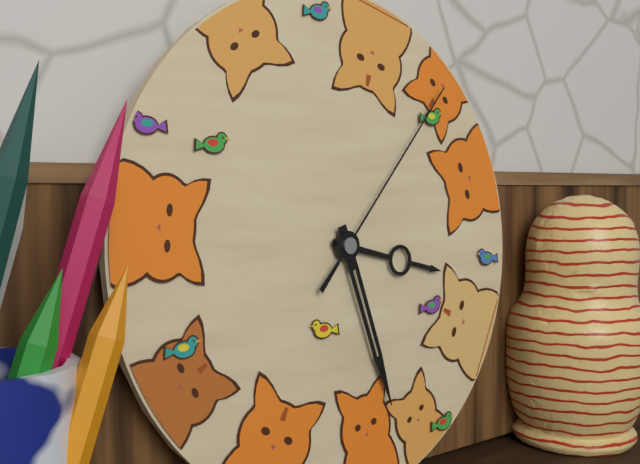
**3:27:07**
